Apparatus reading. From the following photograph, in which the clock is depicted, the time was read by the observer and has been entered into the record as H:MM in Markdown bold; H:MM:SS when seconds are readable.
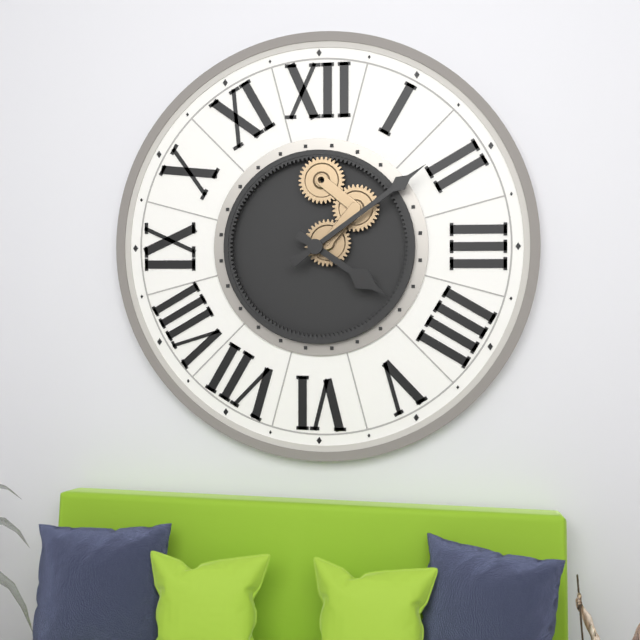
**4:09**
